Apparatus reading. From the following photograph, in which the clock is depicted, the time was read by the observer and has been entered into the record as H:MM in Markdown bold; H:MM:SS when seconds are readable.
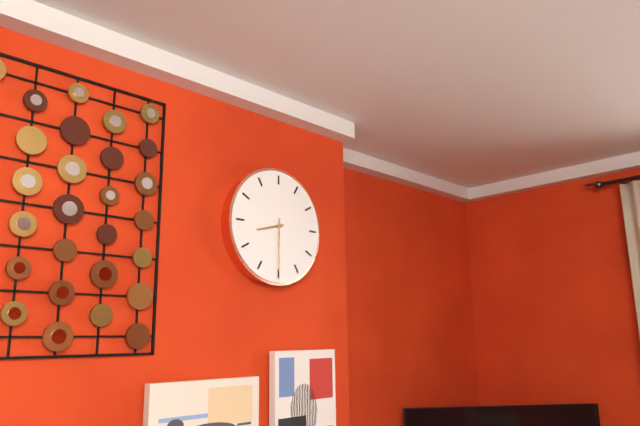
**8:30**
